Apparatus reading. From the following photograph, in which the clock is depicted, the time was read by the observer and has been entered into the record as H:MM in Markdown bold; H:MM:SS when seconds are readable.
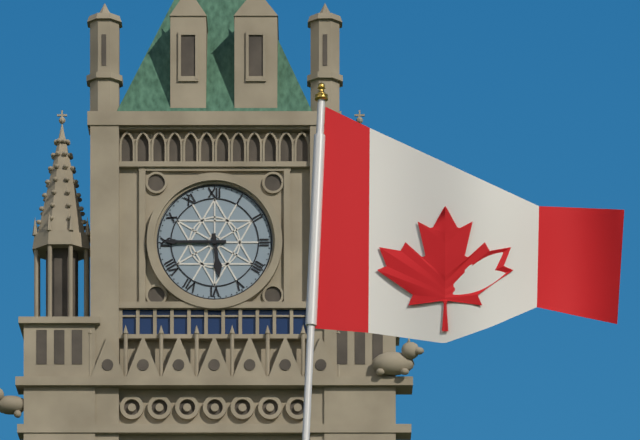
**5:45**
